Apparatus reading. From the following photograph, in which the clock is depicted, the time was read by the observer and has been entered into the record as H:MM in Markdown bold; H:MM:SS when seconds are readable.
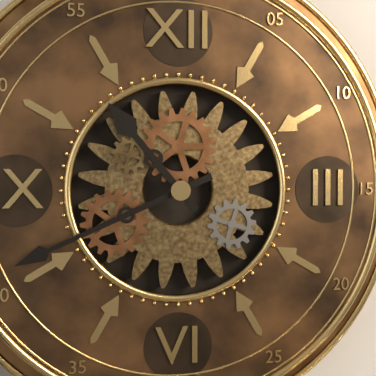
**10:41**
